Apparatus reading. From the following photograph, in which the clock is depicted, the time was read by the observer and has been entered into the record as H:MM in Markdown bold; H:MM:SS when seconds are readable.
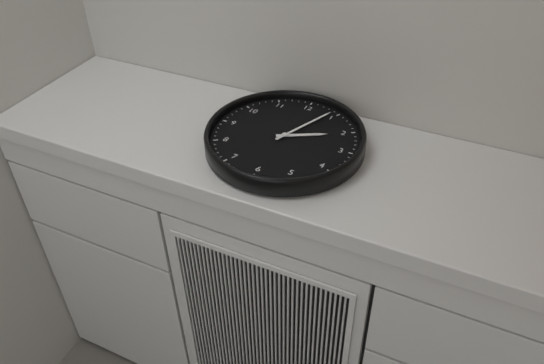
**2:04**
